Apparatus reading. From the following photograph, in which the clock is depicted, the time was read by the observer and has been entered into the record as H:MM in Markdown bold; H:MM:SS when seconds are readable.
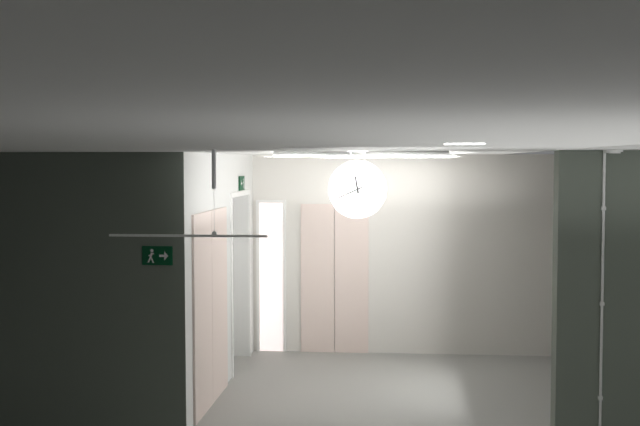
**11:41**
